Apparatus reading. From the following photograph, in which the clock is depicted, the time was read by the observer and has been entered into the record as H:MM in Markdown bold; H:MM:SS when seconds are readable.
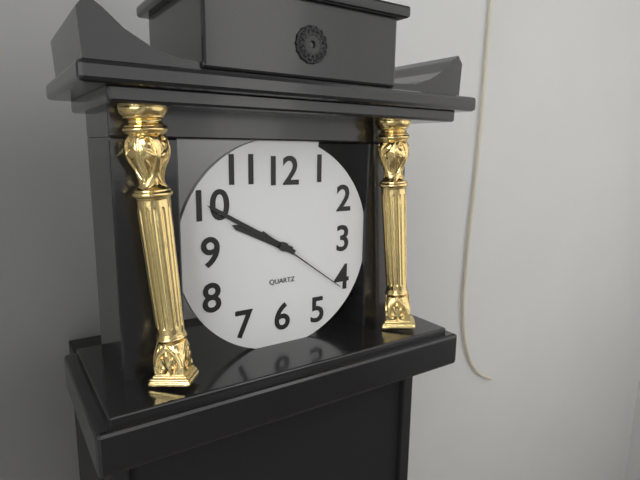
**9:50:21**
